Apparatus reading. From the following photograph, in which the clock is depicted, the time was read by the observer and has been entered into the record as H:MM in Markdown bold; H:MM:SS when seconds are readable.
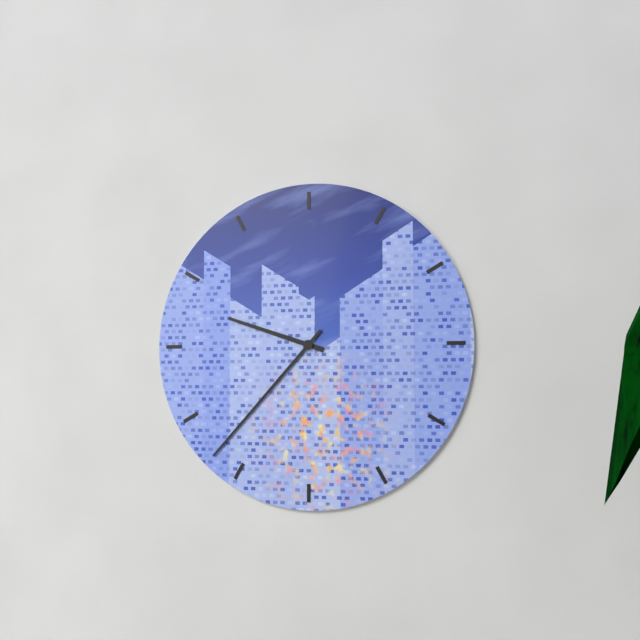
**9:37**
